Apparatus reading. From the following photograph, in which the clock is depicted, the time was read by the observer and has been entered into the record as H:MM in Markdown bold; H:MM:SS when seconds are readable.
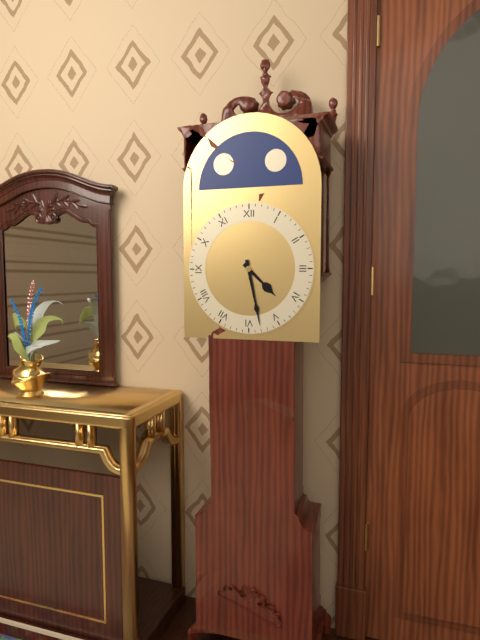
**4:28**
